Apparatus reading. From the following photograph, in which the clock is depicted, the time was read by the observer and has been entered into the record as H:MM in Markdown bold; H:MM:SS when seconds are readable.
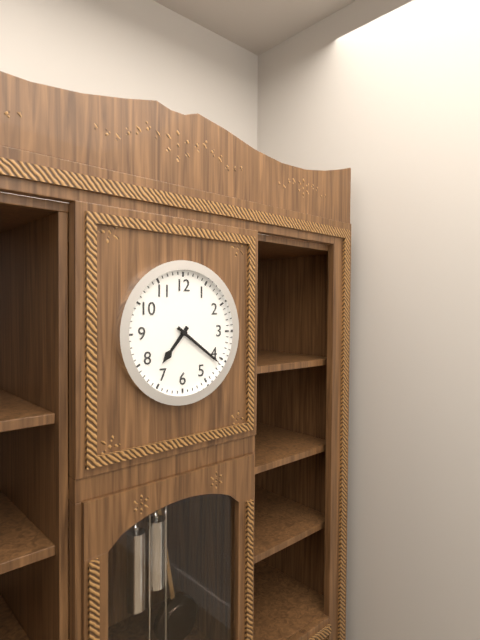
**7:21**
